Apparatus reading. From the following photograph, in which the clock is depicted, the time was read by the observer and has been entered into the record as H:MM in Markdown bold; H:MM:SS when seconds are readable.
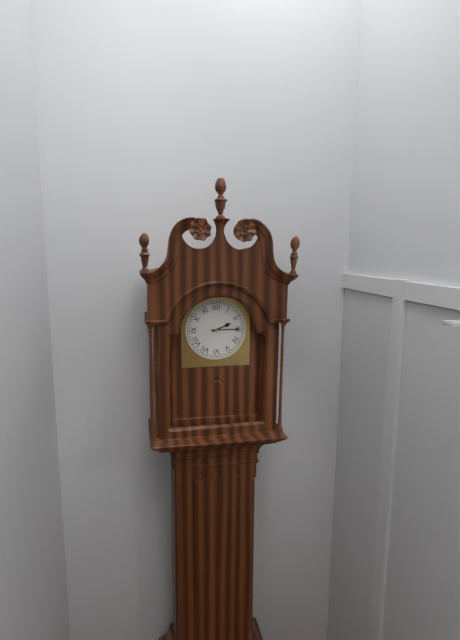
**2:15**
